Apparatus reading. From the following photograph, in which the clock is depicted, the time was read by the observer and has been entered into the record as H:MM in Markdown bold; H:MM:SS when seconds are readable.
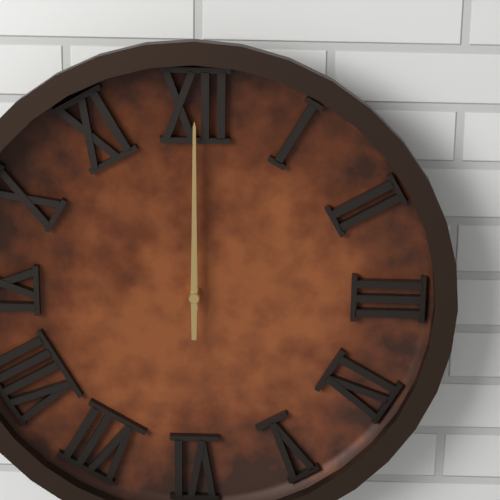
**12:00**
